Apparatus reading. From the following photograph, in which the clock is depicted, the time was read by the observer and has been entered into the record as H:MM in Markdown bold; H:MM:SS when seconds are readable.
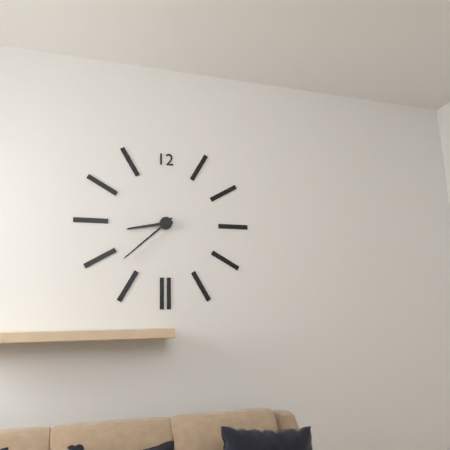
**8:38**
